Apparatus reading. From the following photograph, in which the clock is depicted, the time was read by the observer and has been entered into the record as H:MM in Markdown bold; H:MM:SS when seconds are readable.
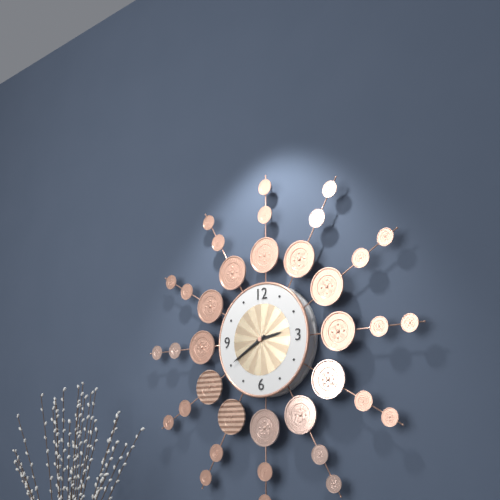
**2:40**
